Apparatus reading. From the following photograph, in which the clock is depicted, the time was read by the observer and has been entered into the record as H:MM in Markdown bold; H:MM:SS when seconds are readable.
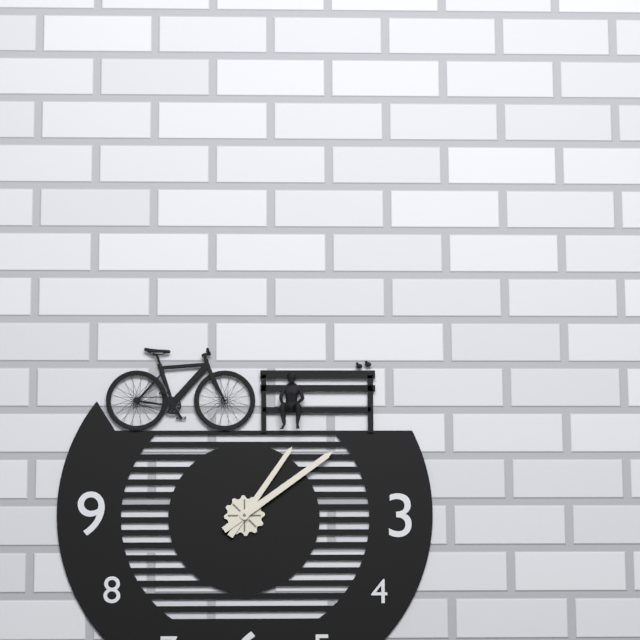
**1:09**
